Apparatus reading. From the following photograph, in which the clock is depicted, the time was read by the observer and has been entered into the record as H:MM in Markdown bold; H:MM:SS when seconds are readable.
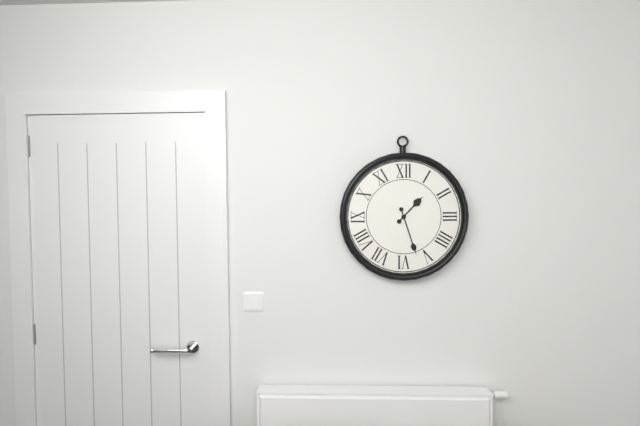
**1:27**
